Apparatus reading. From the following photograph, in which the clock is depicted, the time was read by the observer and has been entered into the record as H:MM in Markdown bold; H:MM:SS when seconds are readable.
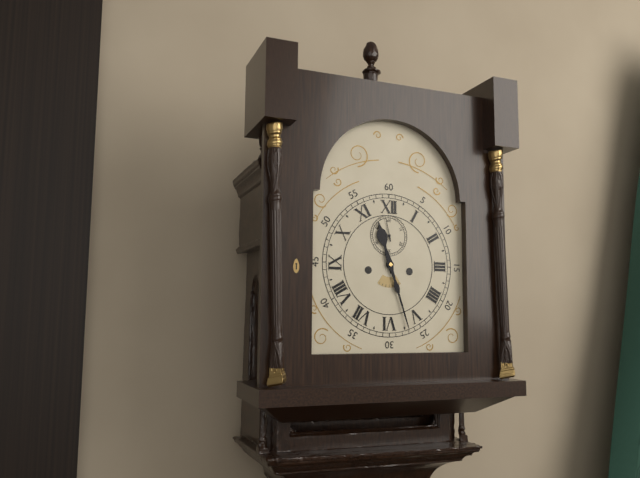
**11:27**
